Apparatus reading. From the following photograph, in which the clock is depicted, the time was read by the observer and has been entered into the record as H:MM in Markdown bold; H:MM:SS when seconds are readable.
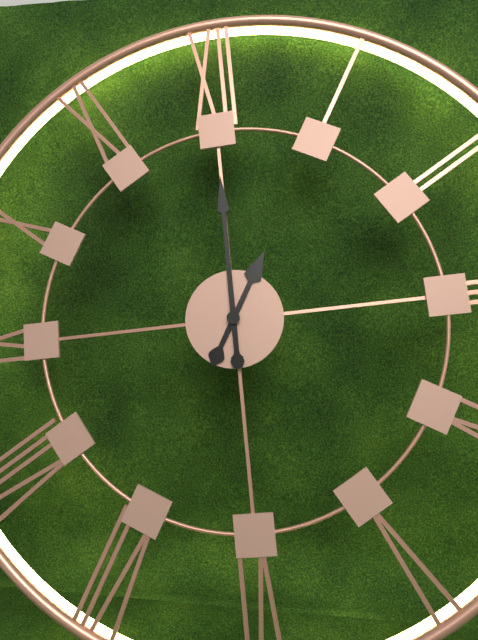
**1:00**
